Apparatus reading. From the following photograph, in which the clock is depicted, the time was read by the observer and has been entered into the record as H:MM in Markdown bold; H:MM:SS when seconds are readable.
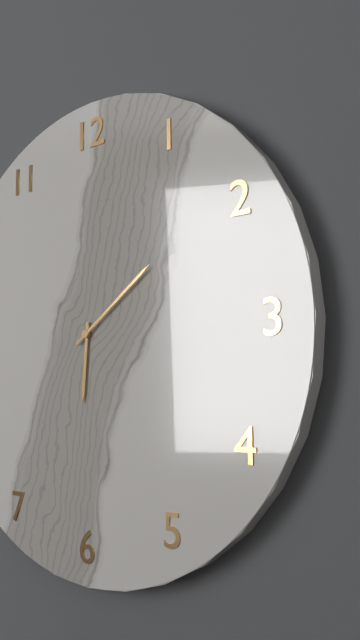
**6:09**
